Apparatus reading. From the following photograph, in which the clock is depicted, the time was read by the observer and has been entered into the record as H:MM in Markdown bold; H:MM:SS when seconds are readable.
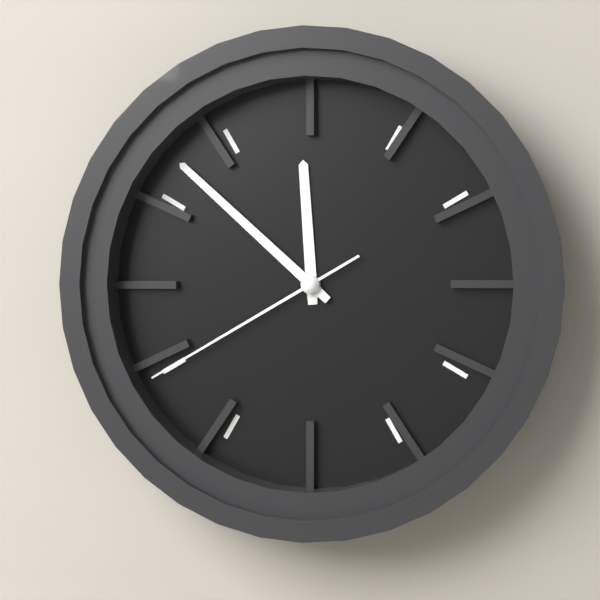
**11:52:40**
